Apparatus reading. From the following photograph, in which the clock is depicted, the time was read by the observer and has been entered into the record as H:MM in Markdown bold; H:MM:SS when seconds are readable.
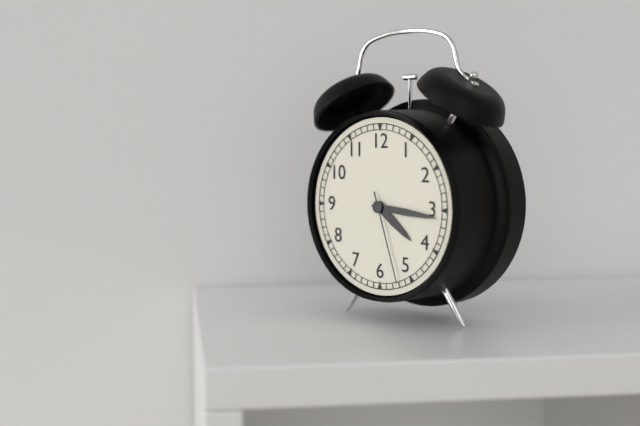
**4:16:27**
